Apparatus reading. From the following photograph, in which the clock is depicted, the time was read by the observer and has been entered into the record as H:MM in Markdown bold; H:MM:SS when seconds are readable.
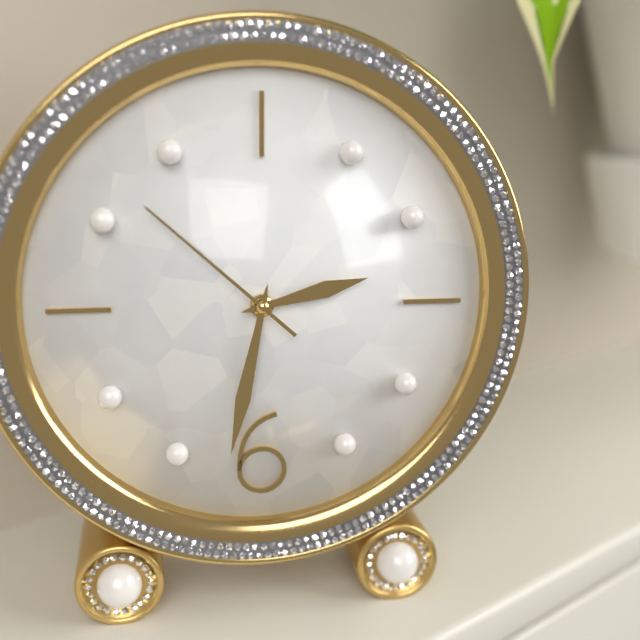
**2:32:52**
